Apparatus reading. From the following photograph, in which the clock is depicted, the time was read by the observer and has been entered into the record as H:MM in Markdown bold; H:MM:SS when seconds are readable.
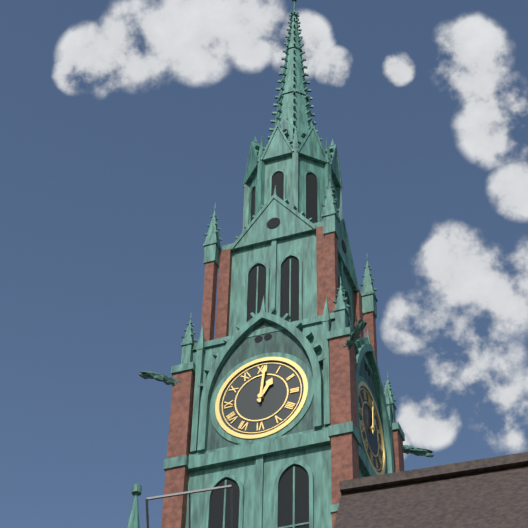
**1:01**
